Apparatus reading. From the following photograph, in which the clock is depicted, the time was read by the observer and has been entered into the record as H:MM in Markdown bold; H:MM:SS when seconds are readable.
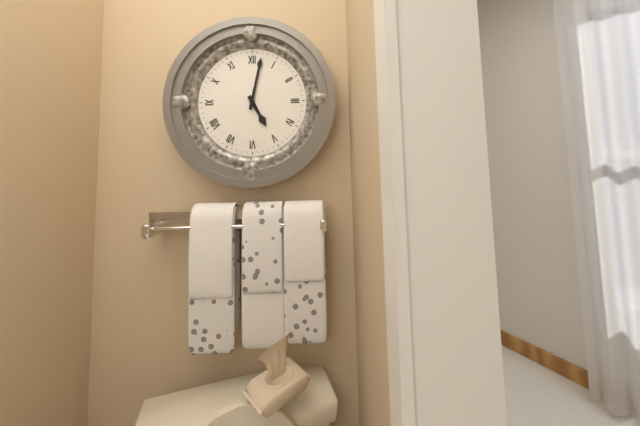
**5:02**
